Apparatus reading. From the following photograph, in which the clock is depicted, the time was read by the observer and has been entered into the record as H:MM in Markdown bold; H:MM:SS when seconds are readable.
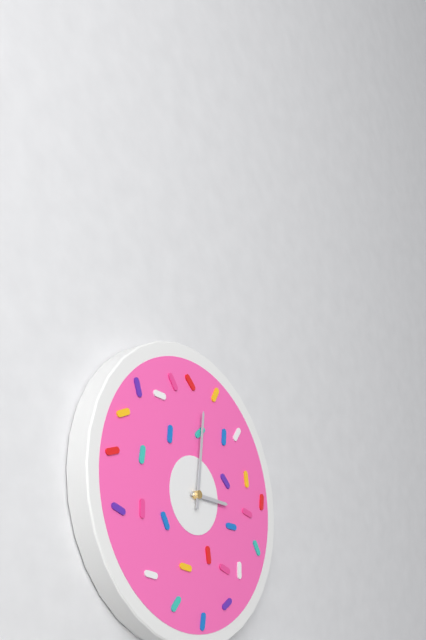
**3:01**
